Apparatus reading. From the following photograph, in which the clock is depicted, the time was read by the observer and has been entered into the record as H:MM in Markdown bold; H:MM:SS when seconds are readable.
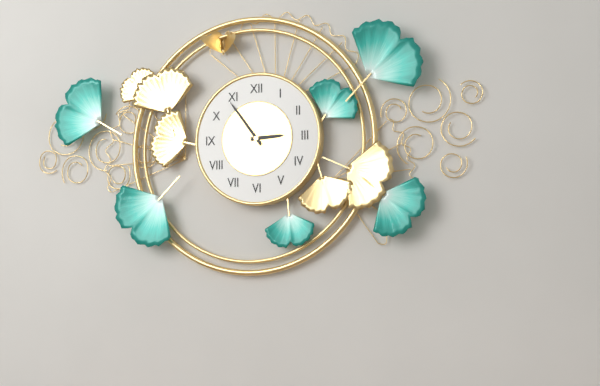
**2:54**
